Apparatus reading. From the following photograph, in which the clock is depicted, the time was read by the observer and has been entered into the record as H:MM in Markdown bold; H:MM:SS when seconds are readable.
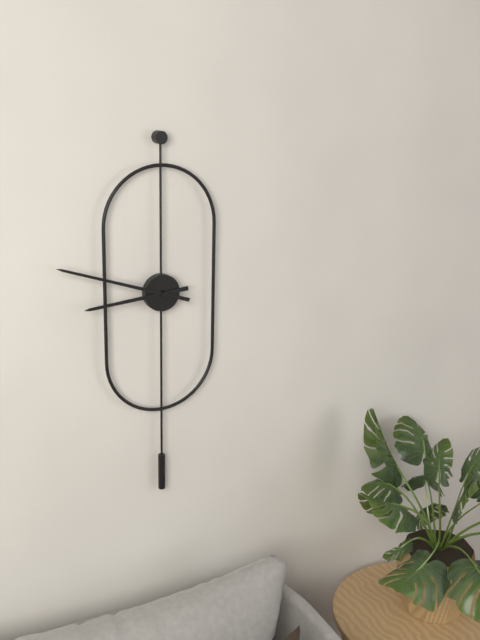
**8:48**
